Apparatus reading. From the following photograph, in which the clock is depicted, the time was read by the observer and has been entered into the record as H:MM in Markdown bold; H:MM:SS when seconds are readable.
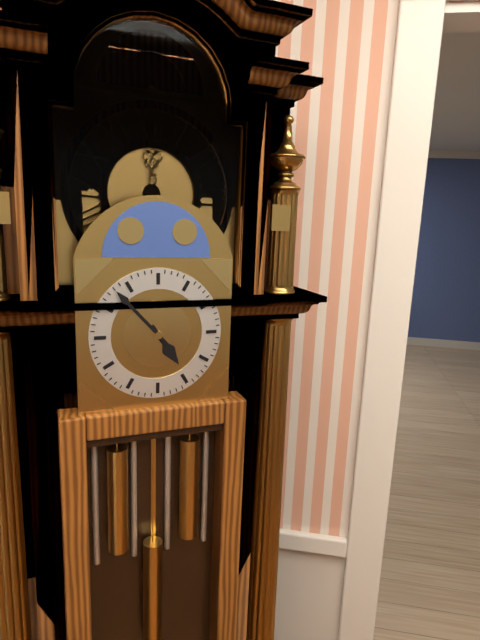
**4:53**
